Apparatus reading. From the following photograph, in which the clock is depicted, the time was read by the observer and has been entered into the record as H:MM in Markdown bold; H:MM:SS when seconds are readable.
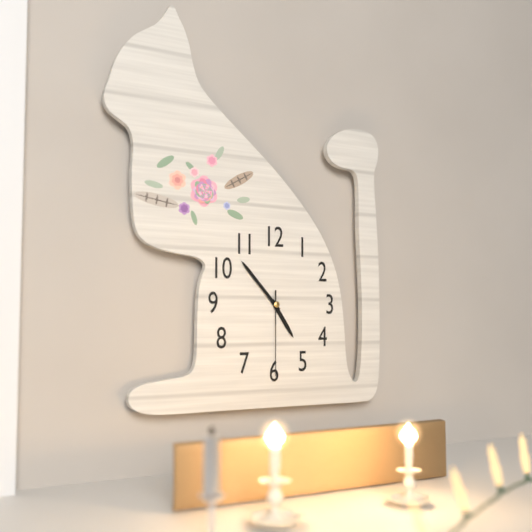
**4:53:30**
